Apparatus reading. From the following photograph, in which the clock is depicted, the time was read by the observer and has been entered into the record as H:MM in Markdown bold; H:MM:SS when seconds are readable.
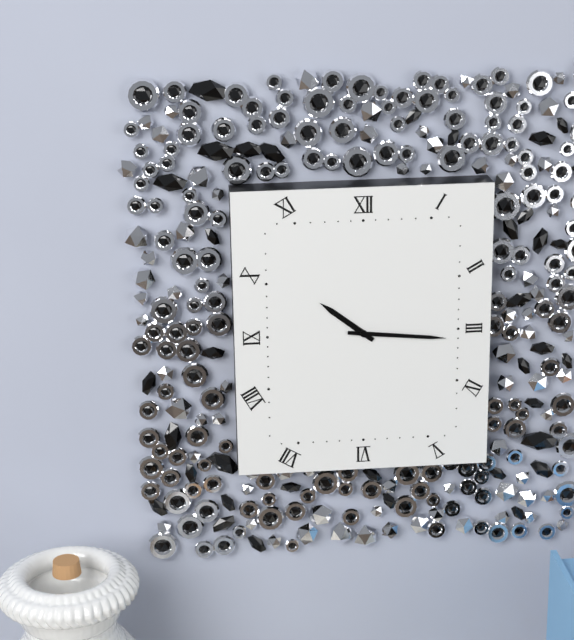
**10:16**
